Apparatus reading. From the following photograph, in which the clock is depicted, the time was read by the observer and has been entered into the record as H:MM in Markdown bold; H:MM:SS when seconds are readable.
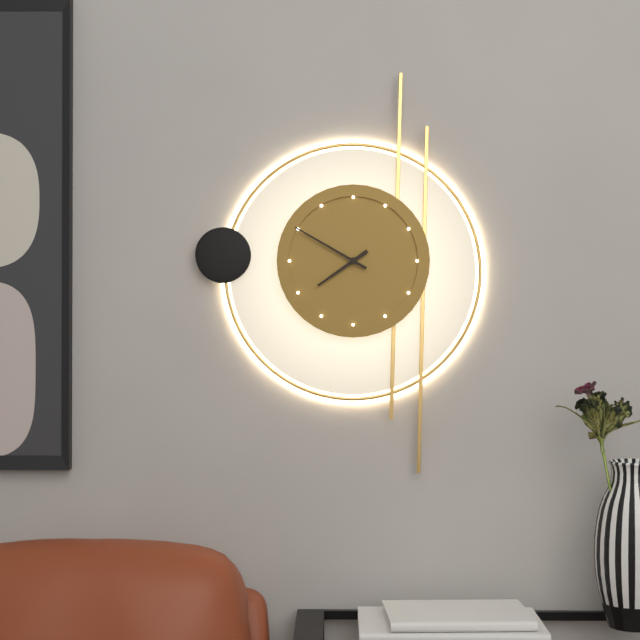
**7:50**
